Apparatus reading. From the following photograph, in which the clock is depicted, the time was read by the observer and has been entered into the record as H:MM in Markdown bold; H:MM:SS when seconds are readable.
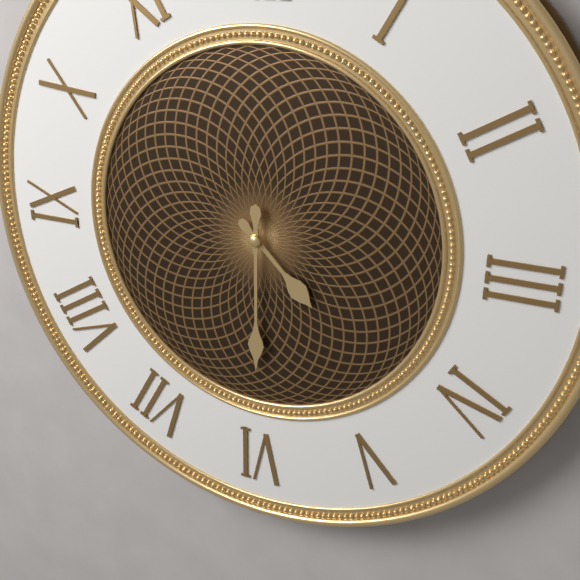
**4:30**
